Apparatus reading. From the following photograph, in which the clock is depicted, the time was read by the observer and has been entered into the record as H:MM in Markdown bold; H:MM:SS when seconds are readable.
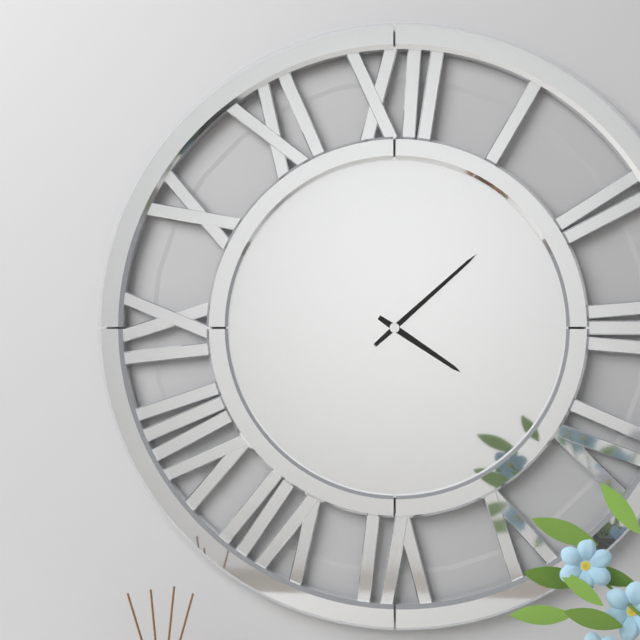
**4:08**
